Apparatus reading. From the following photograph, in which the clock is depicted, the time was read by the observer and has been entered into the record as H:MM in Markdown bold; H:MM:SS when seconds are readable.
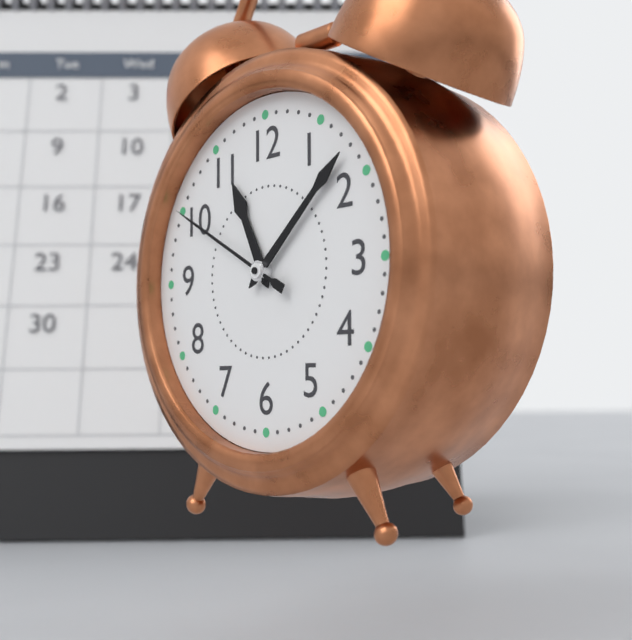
**11:08:50**
